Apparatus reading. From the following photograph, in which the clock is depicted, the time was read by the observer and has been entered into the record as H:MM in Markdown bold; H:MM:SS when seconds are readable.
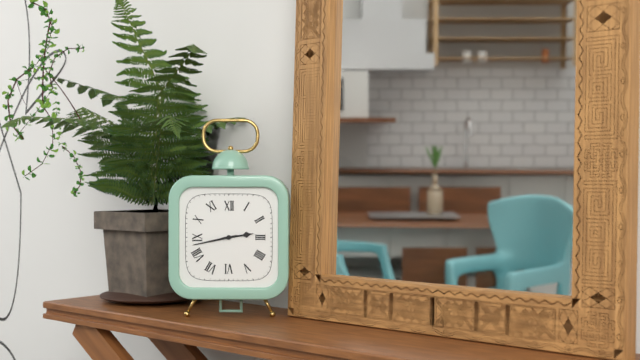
**2:43**
